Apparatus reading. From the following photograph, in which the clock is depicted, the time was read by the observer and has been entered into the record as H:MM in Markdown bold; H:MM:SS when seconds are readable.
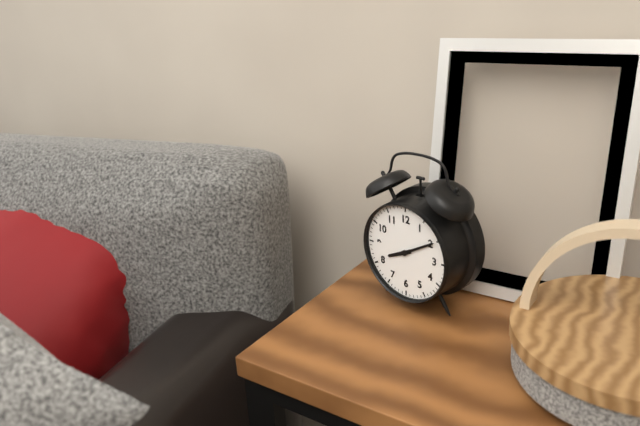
**8:10**
